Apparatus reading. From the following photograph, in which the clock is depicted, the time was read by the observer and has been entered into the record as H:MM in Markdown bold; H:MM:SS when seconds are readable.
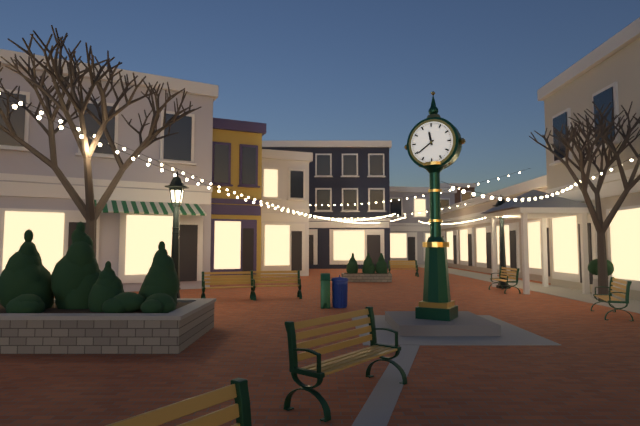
**11:39**
